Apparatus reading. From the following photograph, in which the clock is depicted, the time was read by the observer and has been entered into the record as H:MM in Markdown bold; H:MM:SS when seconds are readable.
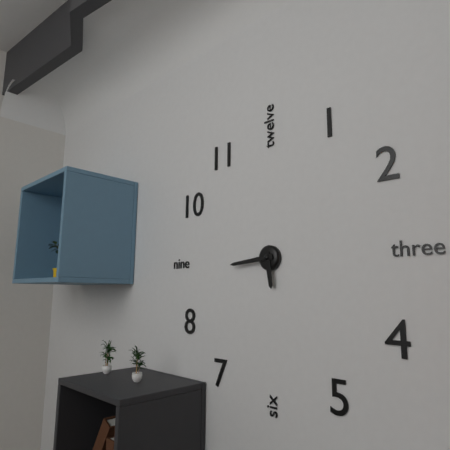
**5:44**
